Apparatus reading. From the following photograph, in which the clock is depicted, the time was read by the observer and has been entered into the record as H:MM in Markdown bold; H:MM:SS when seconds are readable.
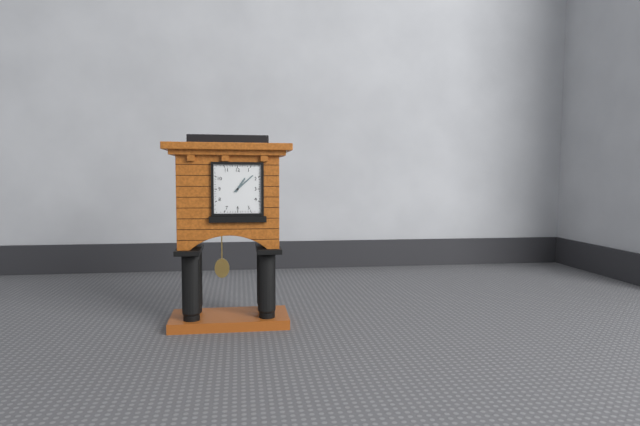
**1:08**
